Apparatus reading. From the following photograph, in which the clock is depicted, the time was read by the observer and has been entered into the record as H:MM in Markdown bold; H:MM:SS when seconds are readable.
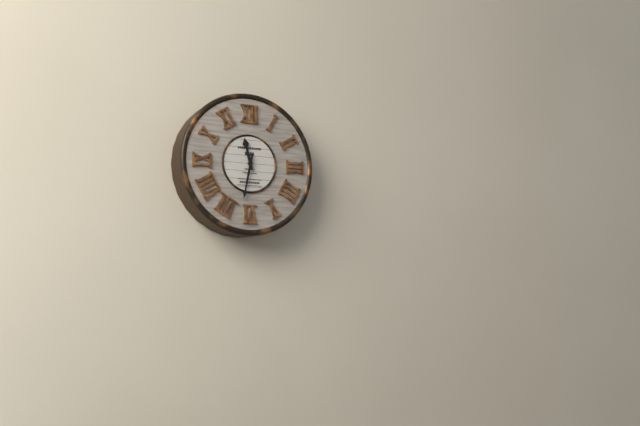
**11:32**
